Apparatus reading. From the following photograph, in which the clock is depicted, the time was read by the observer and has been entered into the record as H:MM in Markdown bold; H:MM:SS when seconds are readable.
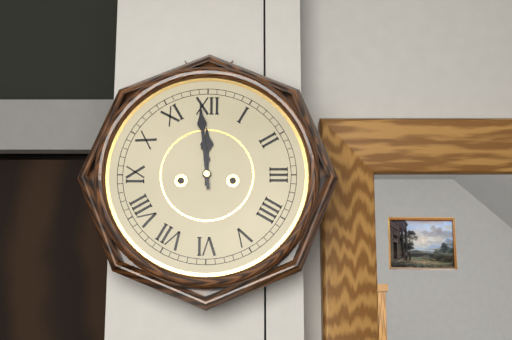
**11:59**
